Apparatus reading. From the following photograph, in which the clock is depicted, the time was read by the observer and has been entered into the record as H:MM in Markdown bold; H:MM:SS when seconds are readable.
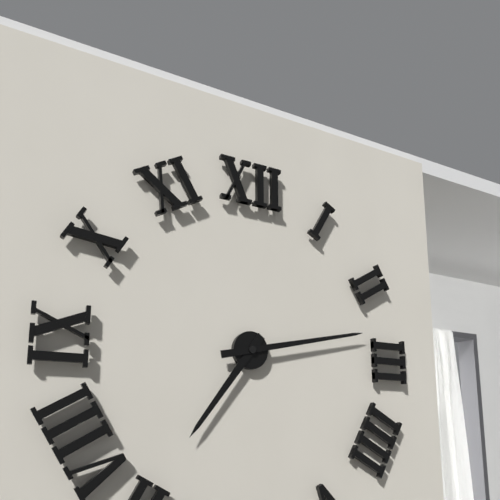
**7:13**
